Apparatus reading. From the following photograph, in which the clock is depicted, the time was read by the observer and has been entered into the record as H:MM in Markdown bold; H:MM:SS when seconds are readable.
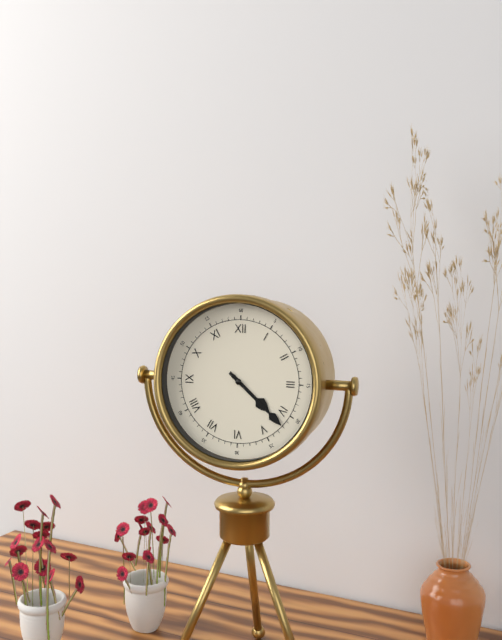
**4:22**
